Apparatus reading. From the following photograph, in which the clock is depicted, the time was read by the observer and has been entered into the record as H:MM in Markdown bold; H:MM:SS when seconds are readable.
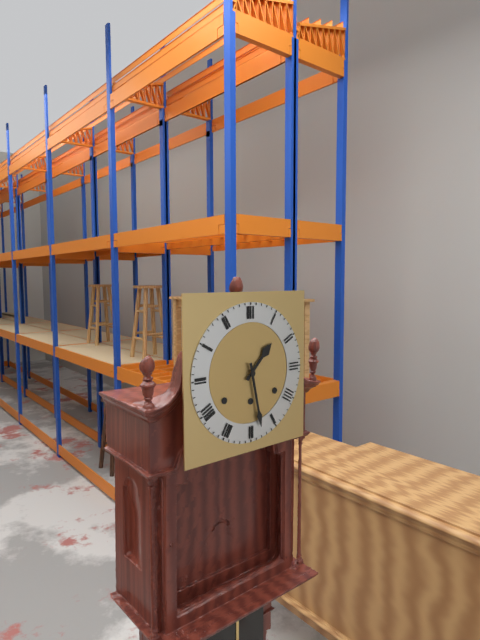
**1:28**
